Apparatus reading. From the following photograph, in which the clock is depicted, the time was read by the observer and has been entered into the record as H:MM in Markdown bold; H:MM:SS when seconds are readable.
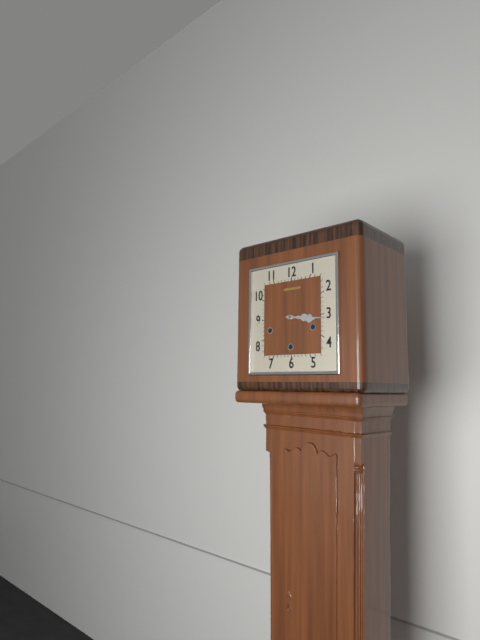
**3:16**
